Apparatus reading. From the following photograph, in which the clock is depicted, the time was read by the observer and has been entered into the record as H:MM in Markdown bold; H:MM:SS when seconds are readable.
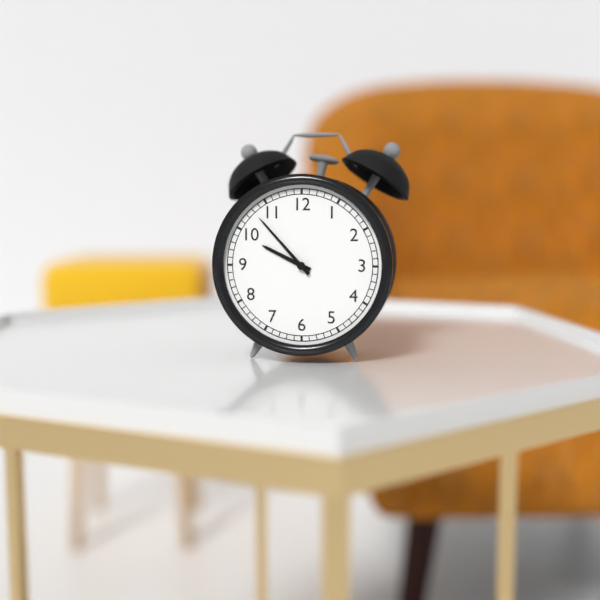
**9:53**
